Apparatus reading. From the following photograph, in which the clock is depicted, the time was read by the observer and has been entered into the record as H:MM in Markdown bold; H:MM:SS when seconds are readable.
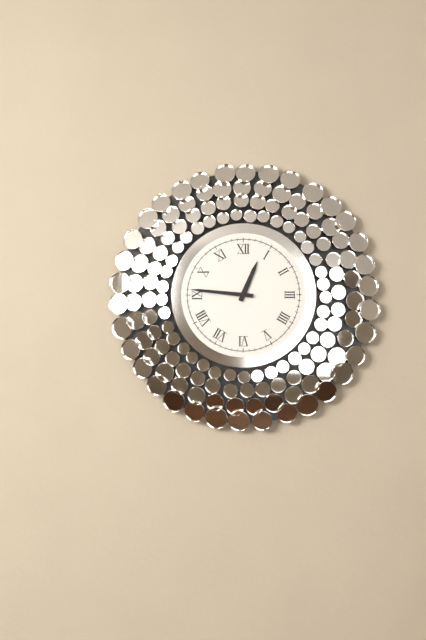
**12:46**
